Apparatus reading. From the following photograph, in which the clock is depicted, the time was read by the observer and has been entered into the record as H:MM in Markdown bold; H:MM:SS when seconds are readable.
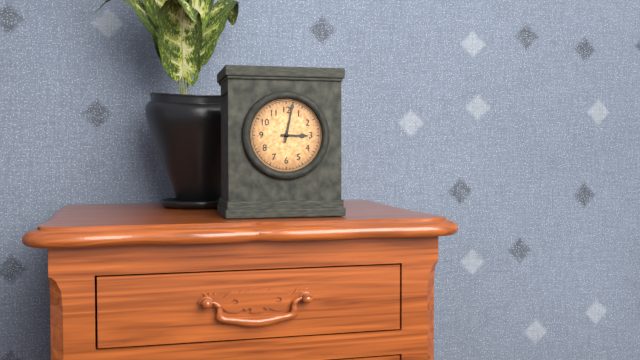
**3:02**
